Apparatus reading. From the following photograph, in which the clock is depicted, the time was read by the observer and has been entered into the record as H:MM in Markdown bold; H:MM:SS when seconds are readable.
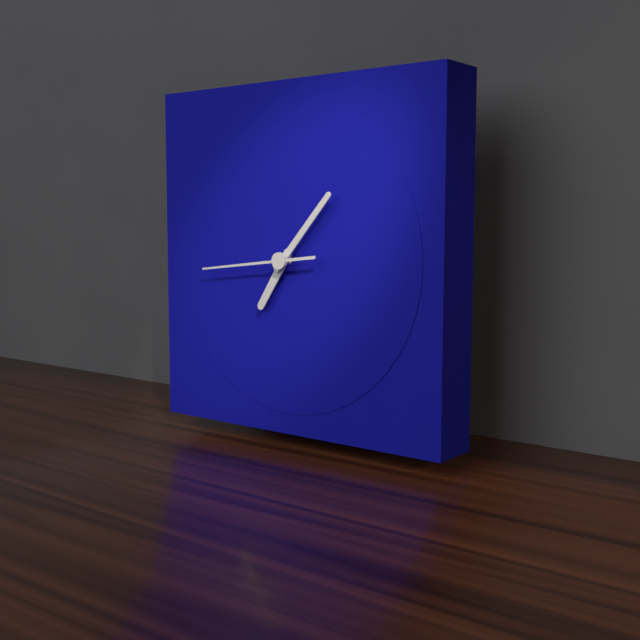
**7:07:44**
